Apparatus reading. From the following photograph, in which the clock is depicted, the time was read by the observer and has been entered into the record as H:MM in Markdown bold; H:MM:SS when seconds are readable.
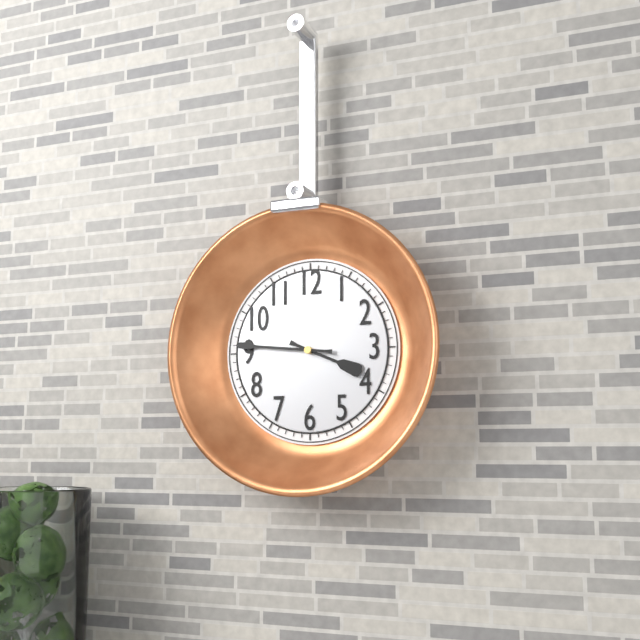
**3:46**
